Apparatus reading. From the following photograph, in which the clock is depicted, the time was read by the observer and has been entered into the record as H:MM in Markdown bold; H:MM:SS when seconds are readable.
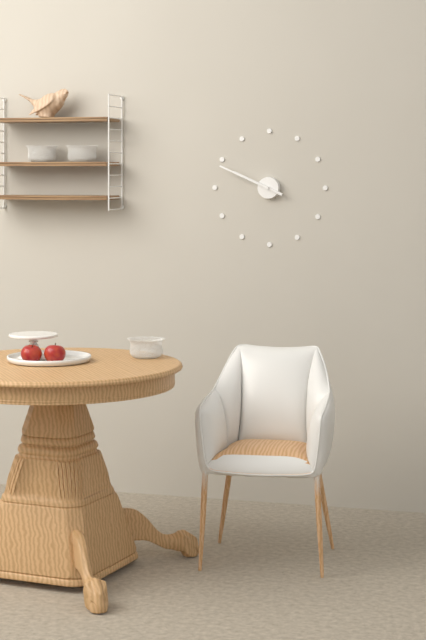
**9:49**
